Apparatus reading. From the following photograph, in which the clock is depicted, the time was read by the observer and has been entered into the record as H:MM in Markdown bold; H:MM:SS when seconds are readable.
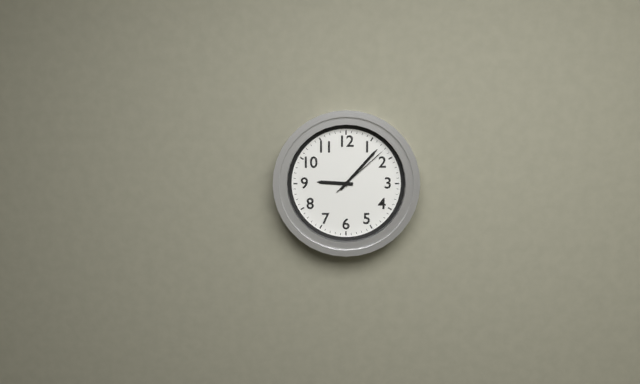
**9:07:08**
